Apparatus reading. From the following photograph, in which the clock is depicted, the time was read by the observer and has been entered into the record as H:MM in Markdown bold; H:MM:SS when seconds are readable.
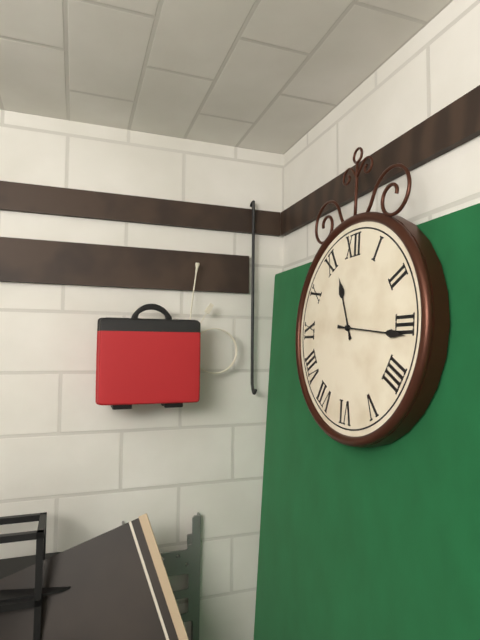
**11:16**
